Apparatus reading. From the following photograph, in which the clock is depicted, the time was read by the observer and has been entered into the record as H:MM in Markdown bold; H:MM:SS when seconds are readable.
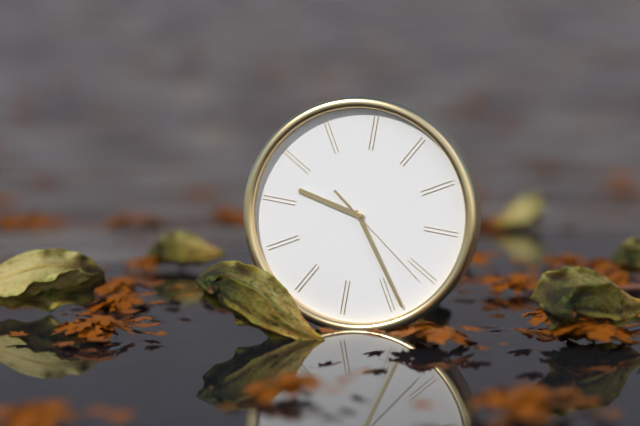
**9:24:21**
